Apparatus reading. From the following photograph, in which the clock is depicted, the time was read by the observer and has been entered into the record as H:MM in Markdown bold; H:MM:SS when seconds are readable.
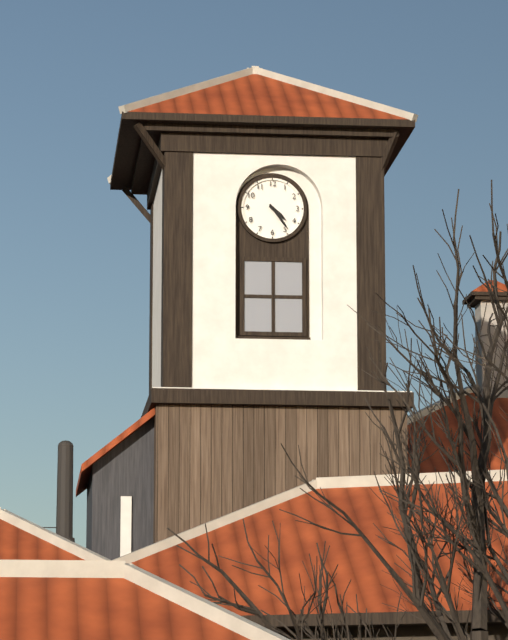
**4:24**
